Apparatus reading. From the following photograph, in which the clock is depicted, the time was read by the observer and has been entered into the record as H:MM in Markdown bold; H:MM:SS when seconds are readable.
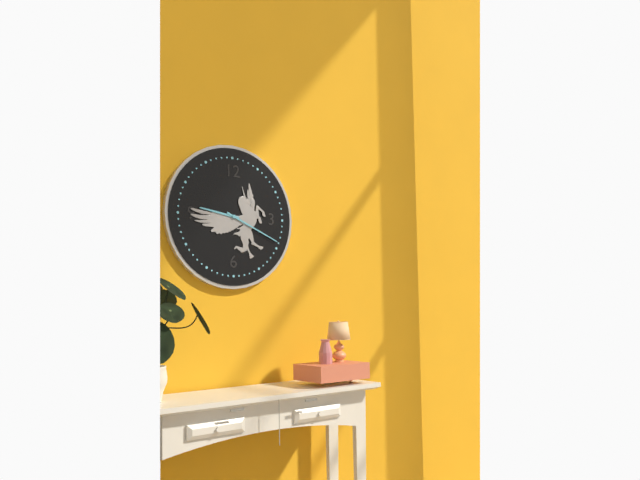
**9:19**
